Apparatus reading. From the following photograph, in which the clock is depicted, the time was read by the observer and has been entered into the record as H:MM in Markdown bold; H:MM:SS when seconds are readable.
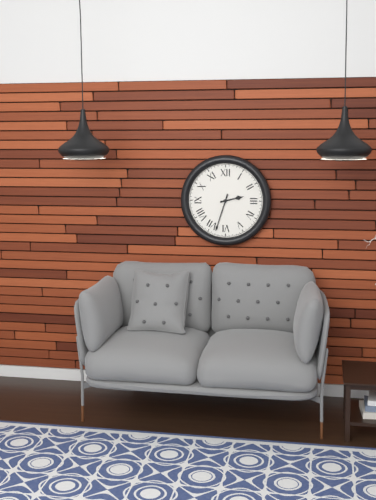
**2:33**
